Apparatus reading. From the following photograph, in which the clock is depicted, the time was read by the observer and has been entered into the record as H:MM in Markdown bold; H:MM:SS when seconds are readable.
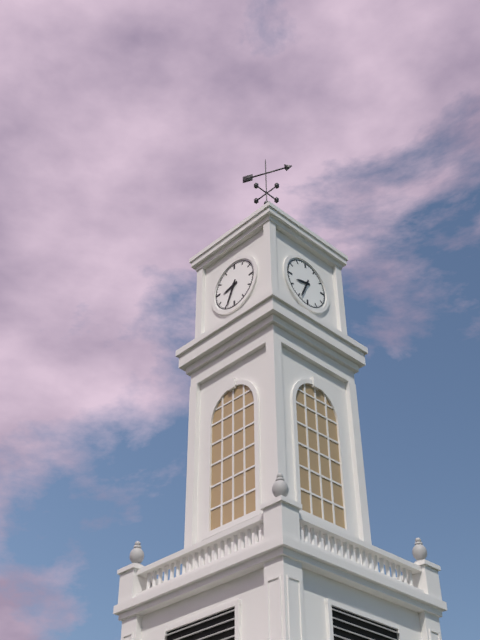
**8:34**
